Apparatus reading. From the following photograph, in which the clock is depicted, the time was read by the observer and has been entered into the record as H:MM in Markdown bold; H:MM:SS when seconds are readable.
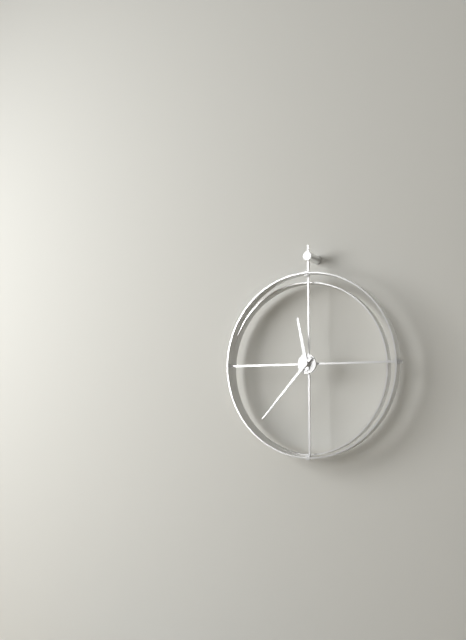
**11:37**
